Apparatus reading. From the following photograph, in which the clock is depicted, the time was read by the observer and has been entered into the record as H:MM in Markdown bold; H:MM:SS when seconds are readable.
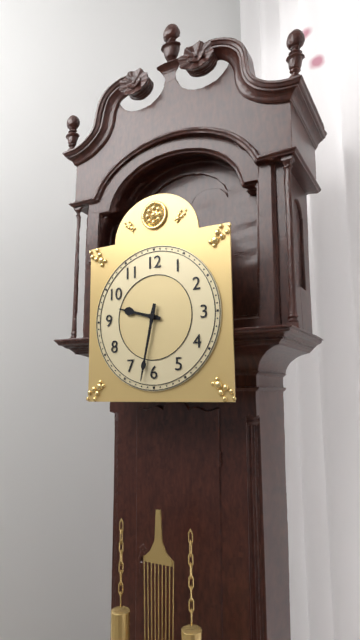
**9:32**
